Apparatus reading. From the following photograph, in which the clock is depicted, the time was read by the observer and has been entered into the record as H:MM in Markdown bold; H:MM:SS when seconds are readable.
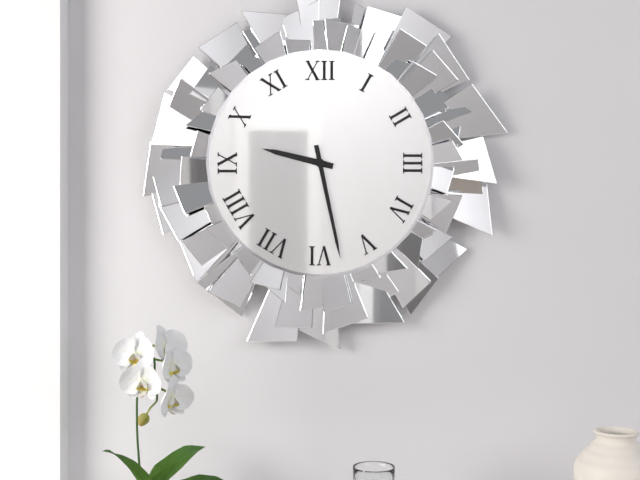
**9:28**
